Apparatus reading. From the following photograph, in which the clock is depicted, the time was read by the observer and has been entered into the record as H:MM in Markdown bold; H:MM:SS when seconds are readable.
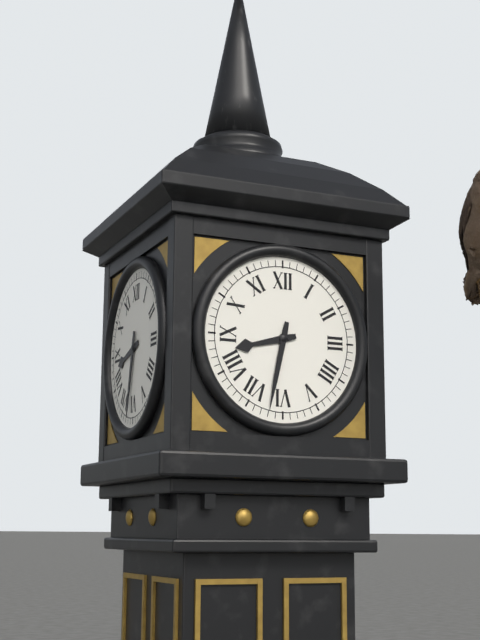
**8:32**
